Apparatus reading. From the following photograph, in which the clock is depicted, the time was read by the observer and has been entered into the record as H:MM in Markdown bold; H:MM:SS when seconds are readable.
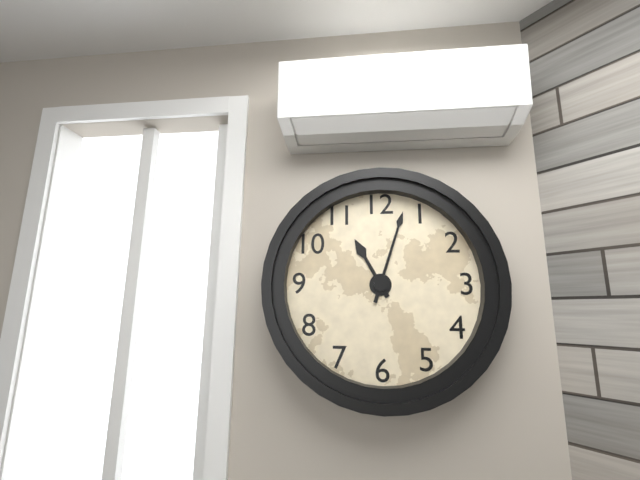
**11:03**
